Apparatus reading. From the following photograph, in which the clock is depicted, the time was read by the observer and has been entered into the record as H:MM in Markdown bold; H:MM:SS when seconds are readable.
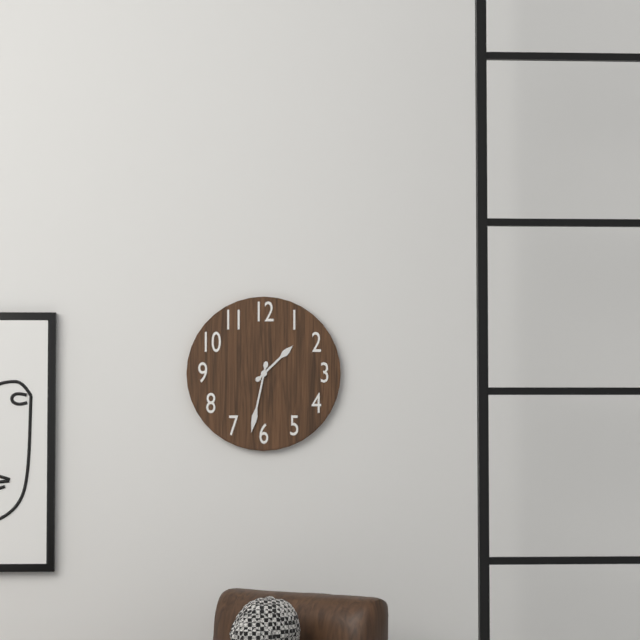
**1:32**
